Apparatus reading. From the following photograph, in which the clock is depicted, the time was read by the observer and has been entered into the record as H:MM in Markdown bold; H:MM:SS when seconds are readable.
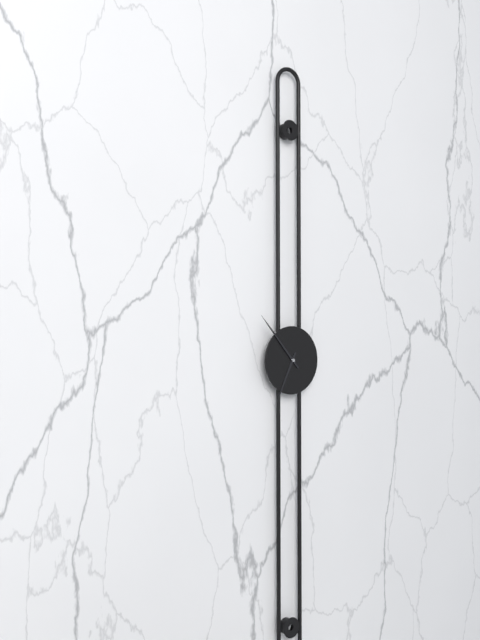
**6:53**
